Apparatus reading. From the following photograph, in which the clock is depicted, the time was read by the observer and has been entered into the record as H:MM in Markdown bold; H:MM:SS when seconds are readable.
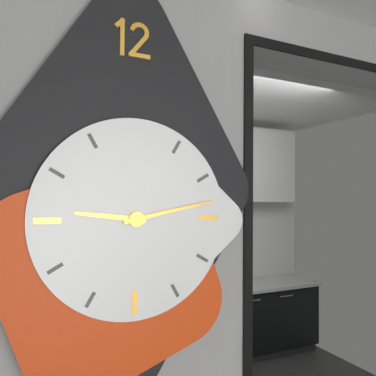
**9:13**
